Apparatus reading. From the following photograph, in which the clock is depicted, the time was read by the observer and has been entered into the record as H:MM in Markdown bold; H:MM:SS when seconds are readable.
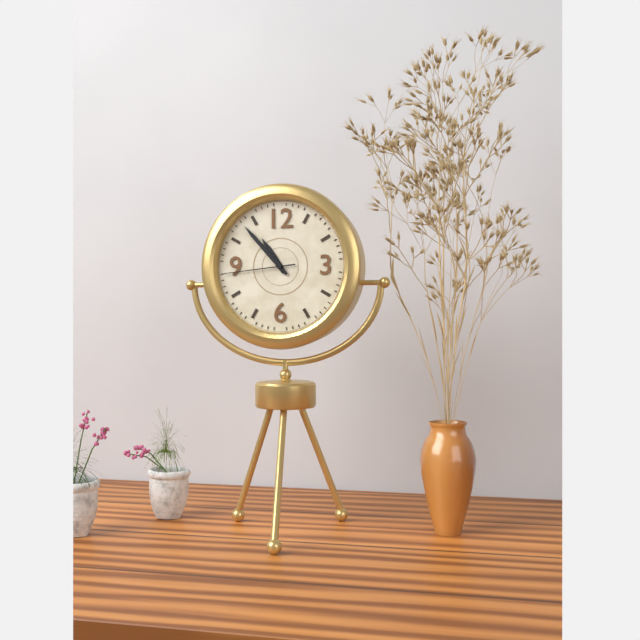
**10:53:44**
